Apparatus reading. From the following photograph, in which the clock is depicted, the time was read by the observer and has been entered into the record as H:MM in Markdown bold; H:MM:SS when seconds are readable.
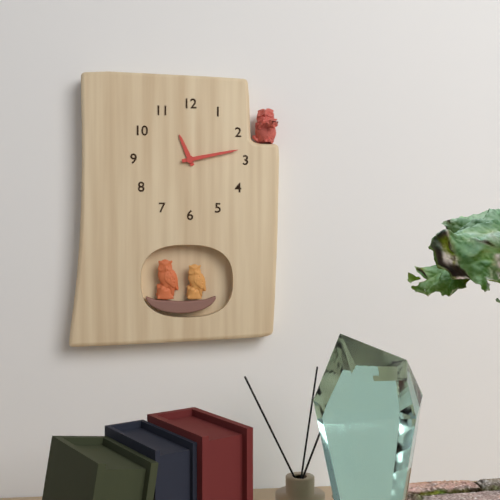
**11:13**
